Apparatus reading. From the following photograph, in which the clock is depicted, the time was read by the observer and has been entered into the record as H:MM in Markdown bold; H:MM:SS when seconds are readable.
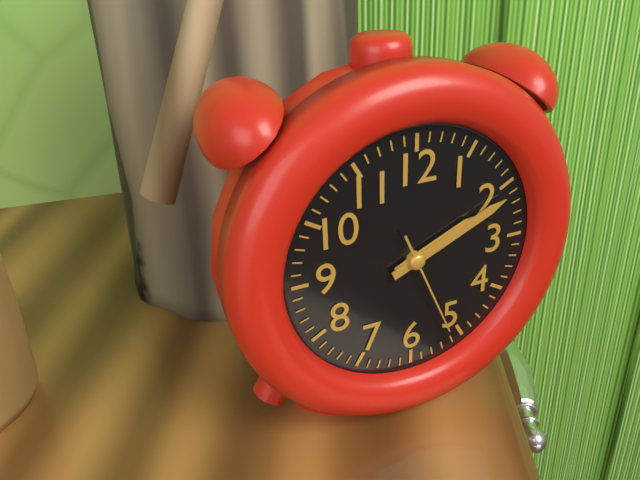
**2:11:26**
